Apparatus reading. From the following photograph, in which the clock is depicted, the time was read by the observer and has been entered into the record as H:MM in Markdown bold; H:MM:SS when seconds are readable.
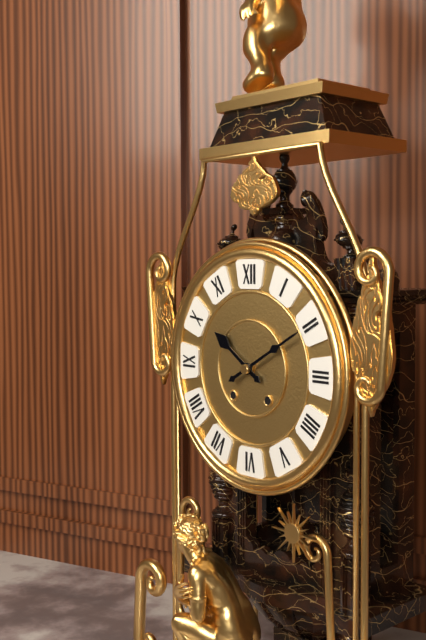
**10:10**
